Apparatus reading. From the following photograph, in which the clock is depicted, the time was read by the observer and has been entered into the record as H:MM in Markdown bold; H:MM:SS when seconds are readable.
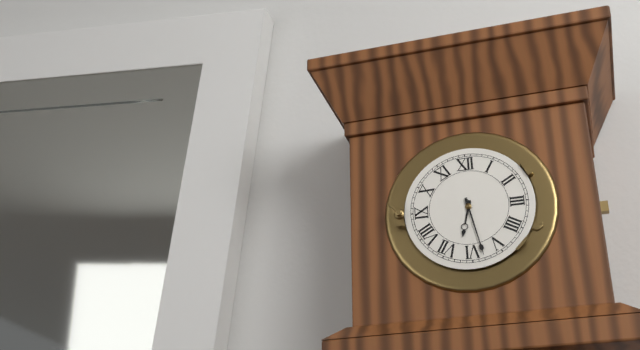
**6:28**
